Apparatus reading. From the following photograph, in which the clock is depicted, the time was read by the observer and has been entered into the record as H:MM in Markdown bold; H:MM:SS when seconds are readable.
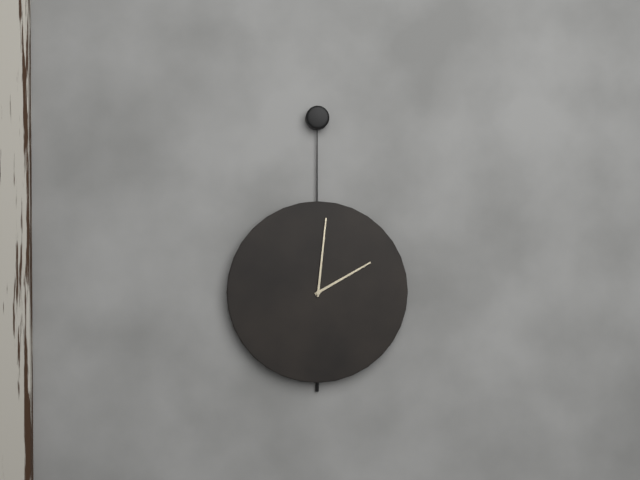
**2:01**
